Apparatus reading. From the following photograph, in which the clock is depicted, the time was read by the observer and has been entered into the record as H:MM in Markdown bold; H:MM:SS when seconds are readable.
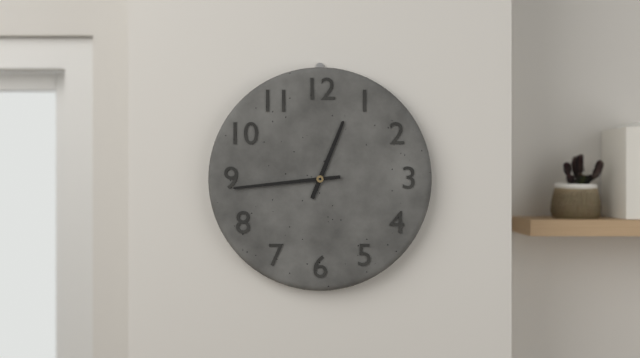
**12:44**
